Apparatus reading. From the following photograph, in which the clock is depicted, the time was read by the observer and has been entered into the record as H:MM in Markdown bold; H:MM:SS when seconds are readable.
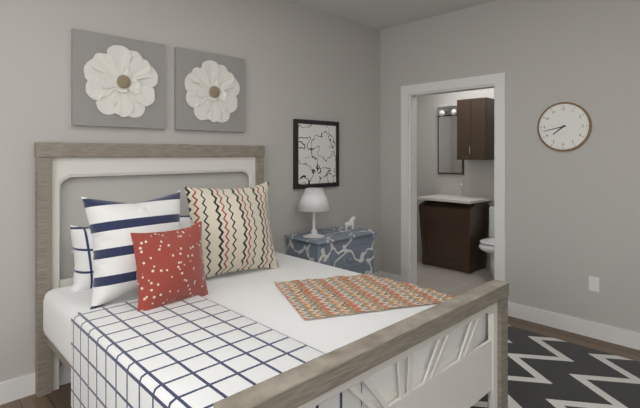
**7:43**
